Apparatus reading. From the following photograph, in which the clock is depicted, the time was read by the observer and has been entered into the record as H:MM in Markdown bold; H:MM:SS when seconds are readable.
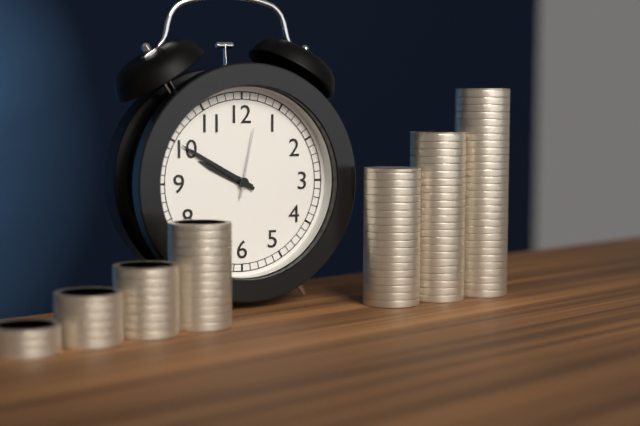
**9:50:02**
